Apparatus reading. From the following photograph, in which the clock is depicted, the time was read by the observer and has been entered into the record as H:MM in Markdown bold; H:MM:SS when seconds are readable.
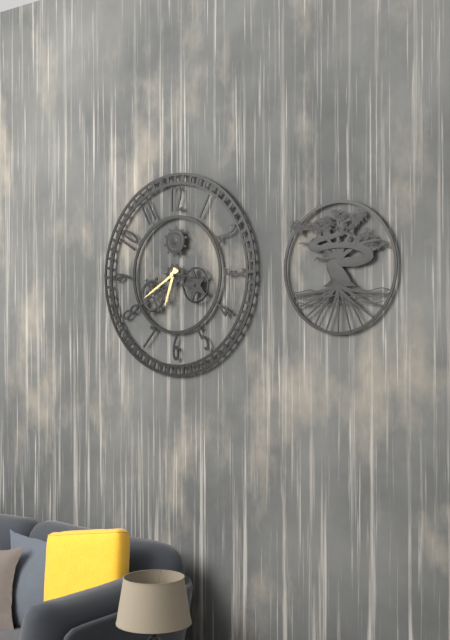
**6:40**
